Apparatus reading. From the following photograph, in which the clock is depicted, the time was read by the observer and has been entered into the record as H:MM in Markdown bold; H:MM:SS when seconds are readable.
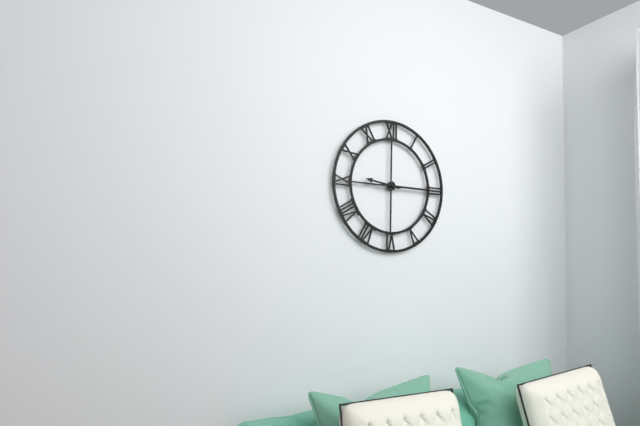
**9:15**
